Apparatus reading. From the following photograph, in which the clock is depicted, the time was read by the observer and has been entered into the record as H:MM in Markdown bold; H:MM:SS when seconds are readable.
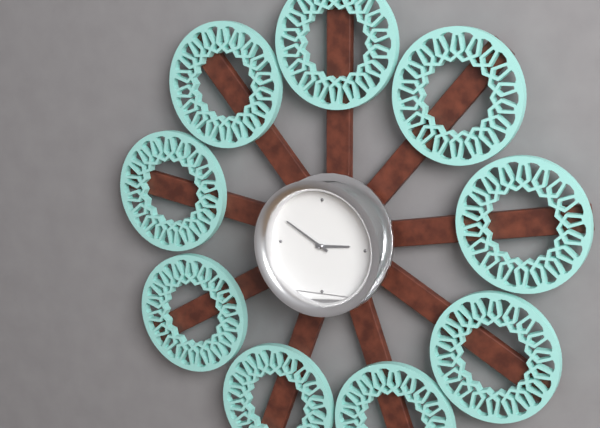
**2:50**
